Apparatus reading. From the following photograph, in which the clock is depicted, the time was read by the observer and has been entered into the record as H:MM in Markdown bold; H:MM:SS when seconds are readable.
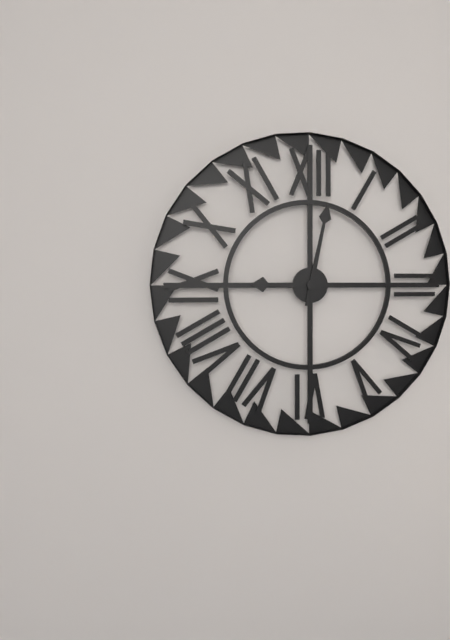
**9:02**
